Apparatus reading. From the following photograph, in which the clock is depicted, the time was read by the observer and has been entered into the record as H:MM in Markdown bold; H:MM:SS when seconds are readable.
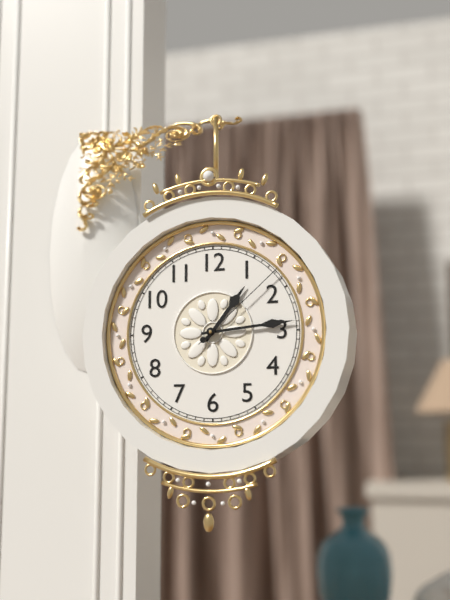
**1:14:08**
